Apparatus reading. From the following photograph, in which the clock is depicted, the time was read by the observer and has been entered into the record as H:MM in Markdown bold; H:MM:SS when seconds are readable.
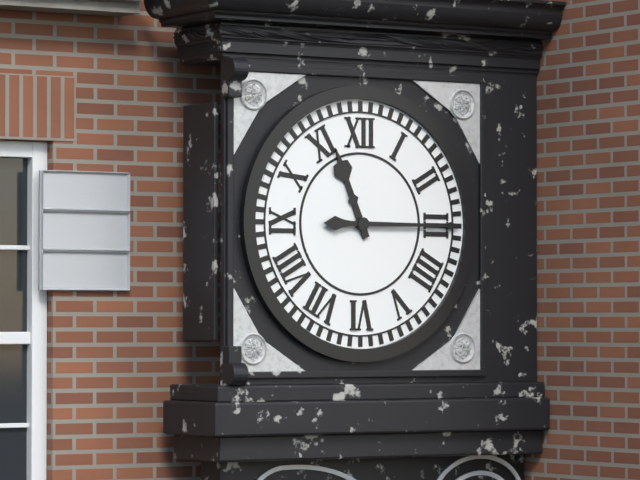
**11:15**
